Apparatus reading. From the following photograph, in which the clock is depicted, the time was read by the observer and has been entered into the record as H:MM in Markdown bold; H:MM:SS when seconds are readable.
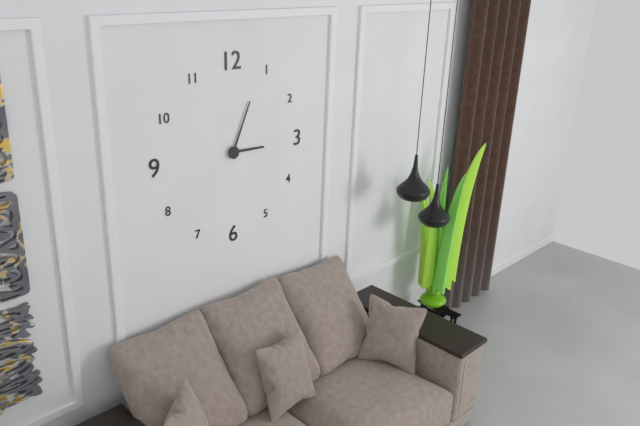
**3:04**
